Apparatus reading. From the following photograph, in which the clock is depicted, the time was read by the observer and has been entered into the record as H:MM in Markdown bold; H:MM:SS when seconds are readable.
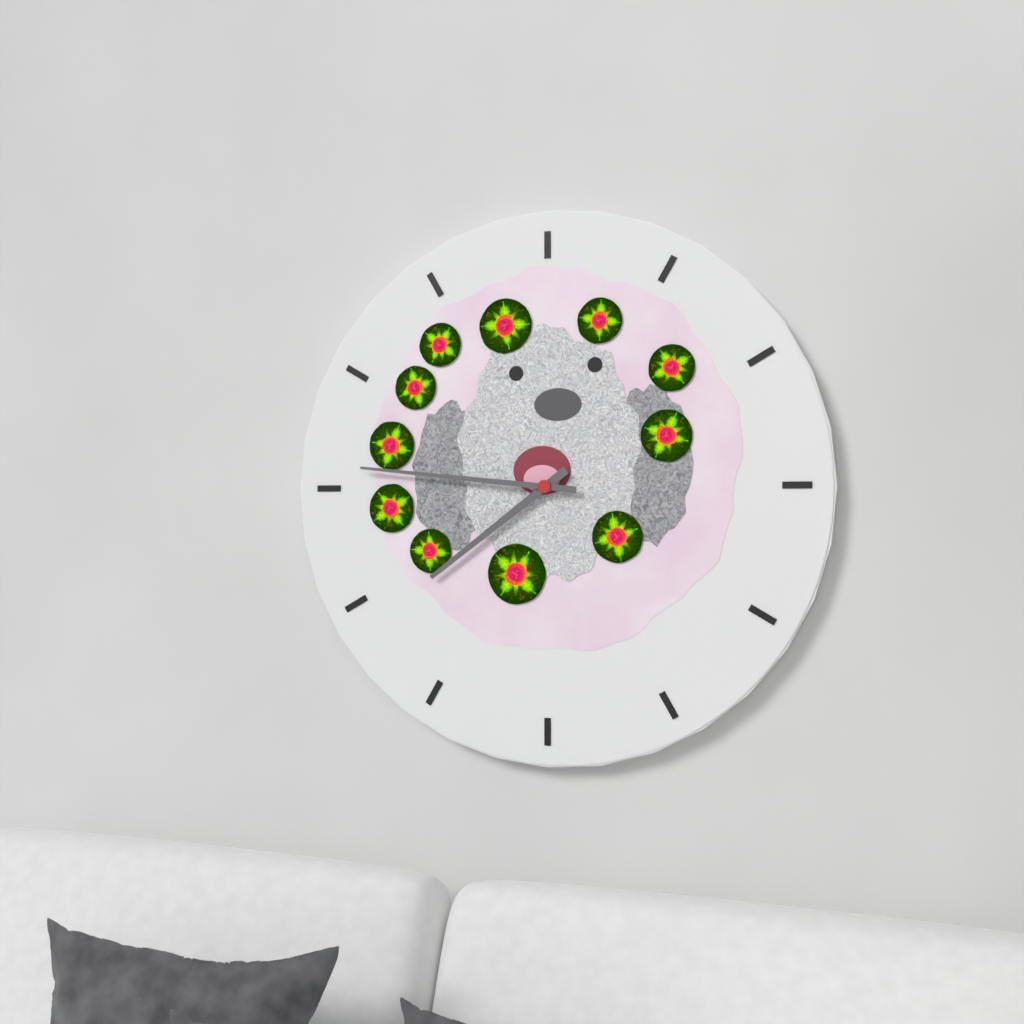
**7:46**
